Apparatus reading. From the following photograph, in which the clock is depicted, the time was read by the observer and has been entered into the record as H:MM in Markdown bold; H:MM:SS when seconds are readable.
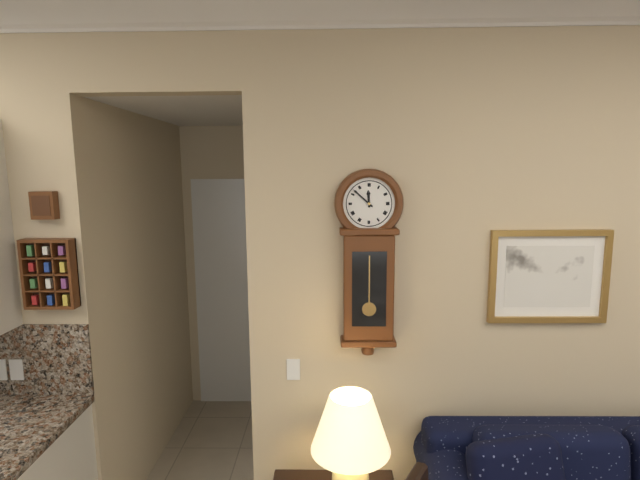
**11:52**
